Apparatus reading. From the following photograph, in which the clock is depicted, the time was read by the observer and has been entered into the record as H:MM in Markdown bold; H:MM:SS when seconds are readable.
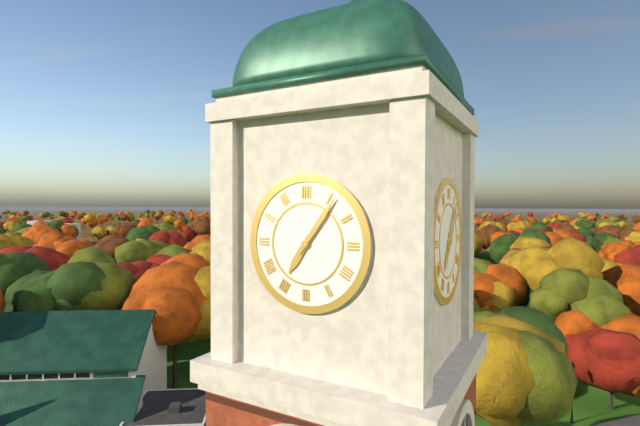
**7:06**
